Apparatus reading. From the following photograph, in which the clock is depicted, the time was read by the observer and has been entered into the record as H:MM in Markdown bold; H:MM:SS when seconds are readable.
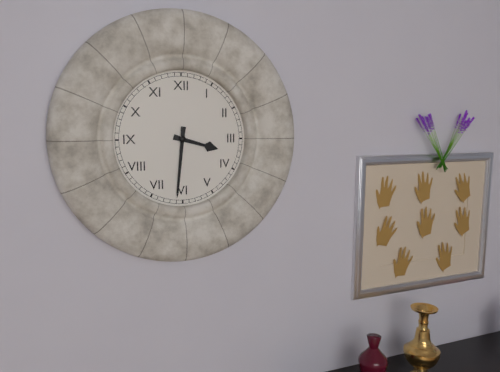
**3:31**
